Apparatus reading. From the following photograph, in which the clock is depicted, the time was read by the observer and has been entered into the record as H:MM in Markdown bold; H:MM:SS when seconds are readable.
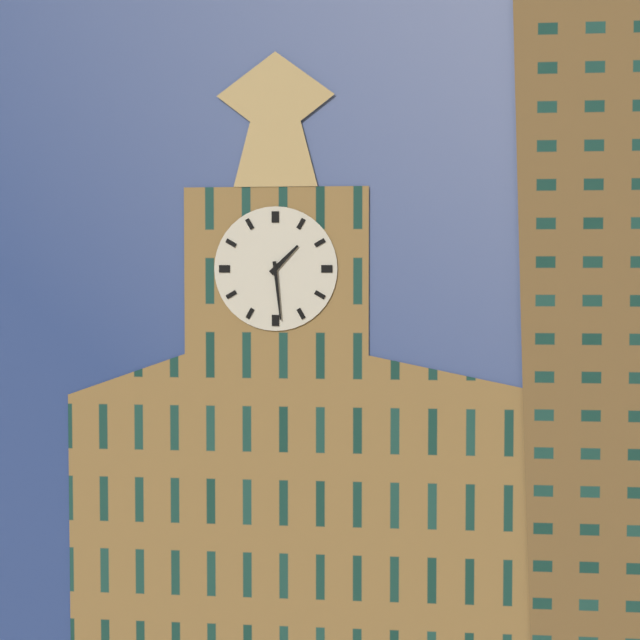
**1:29**
